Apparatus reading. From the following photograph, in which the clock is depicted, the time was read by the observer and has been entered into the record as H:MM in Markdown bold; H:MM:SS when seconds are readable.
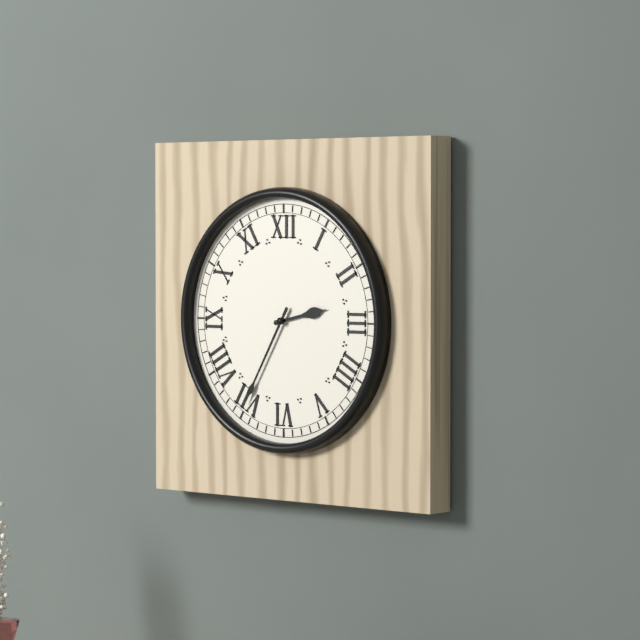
**2:35**
